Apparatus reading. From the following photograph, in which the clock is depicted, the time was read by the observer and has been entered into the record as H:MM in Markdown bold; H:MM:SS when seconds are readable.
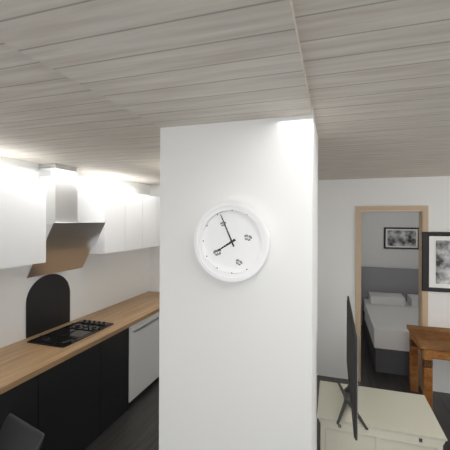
**7:56**
